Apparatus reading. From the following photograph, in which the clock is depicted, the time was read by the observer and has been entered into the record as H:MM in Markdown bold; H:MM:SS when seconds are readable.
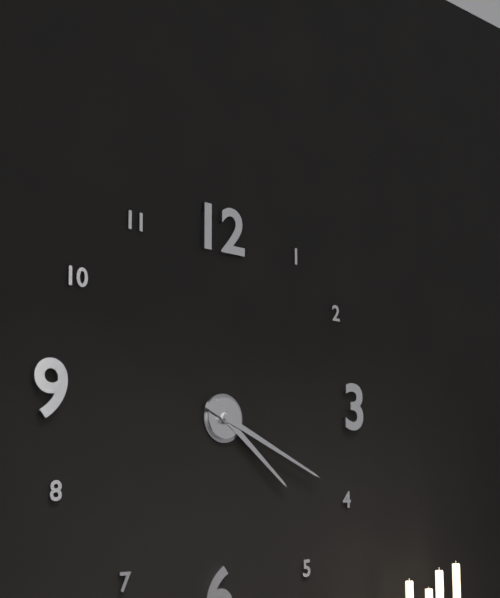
**4:19**
